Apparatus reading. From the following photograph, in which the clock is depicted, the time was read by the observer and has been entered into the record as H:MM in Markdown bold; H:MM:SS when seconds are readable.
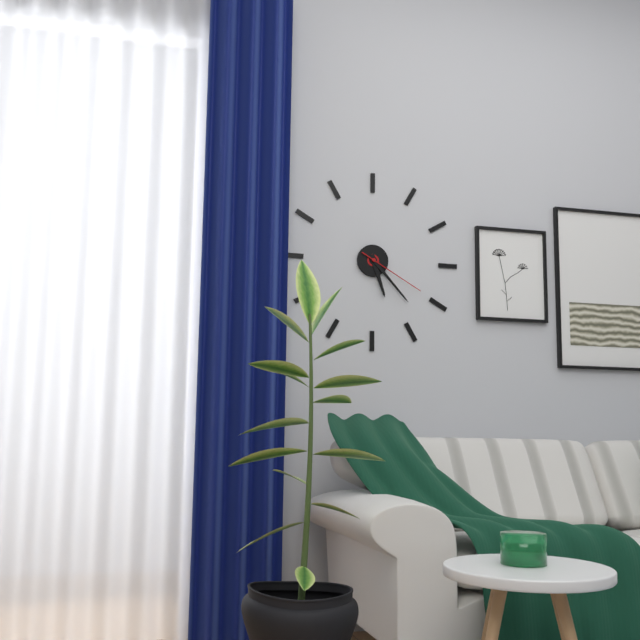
**5:23:20**
